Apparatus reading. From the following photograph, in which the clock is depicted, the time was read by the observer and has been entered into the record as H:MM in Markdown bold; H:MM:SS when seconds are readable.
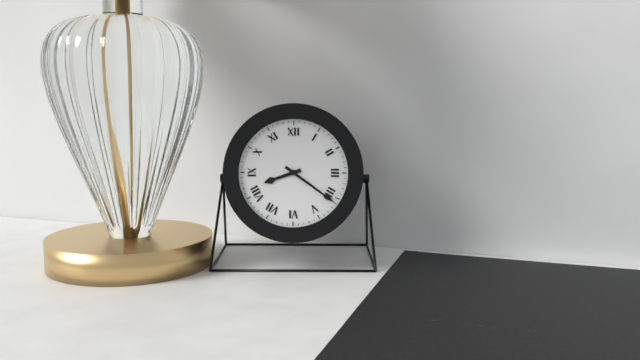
**8:21**
